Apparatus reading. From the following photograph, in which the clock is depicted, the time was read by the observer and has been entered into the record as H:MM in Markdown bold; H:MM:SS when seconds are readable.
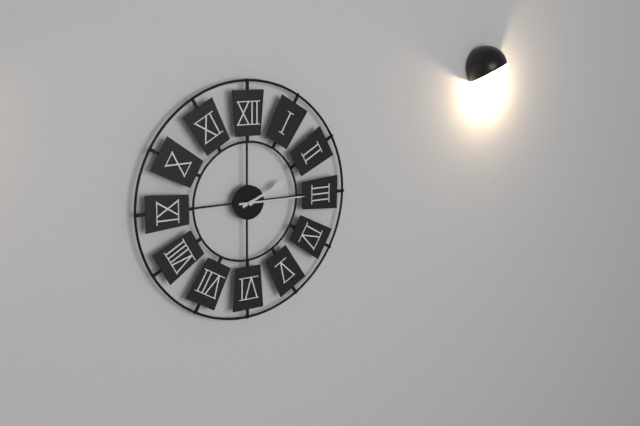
**2:15**
